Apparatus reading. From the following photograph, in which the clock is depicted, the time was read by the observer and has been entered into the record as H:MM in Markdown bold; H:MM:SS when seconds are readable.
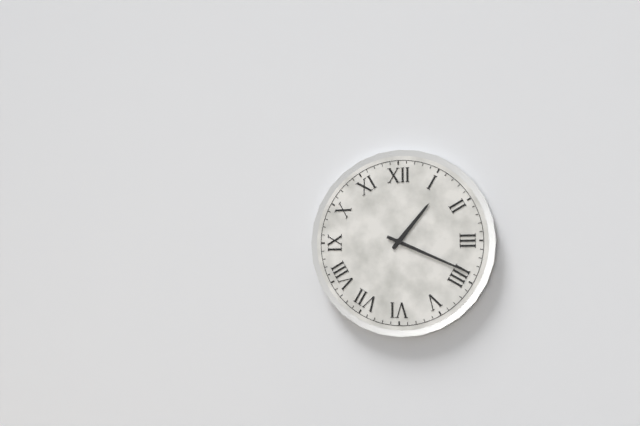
**1:19**
